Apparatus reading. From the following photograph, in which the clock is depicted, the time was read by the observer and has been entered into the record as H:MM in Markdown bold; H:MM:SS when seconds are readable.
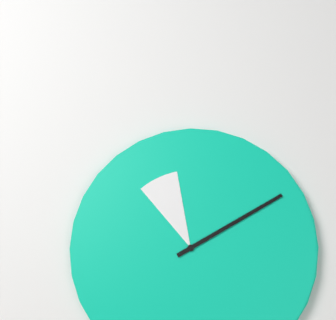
**11:10**
